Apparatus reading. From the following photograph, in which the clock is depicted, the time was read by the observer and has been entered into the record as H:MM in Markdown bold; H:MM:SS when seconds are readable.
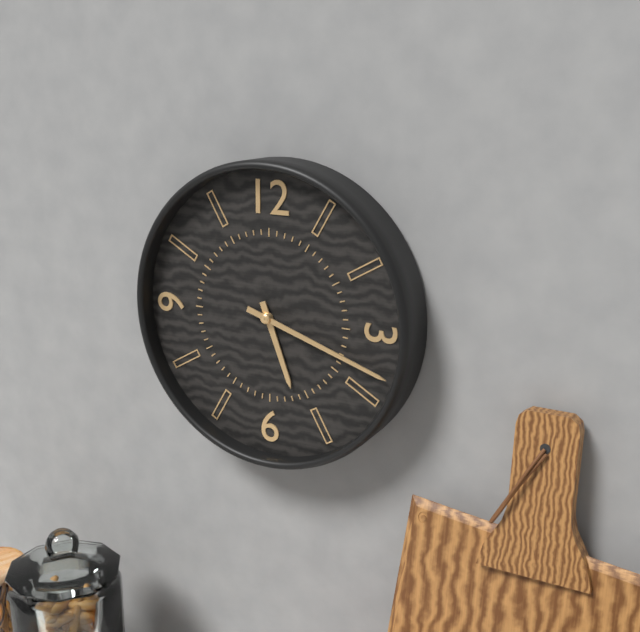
**5:18**
